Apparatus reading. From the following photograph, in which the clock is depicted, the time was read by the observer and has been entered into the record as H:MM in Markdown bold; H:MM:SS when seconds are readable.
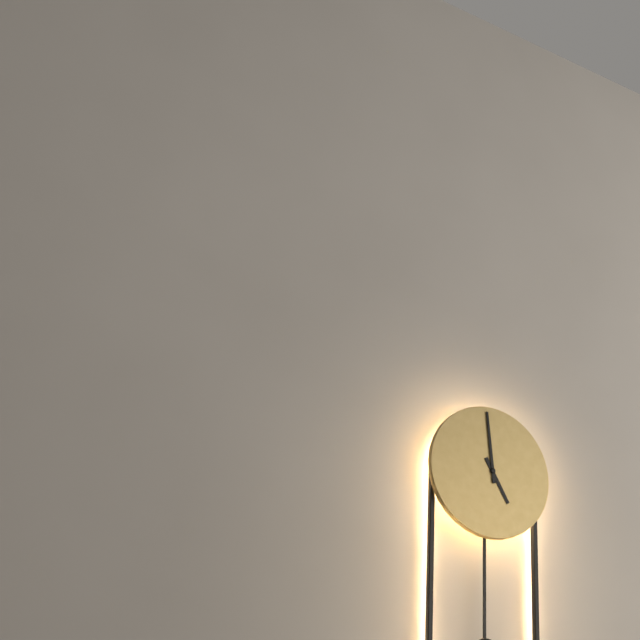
**4:59**
